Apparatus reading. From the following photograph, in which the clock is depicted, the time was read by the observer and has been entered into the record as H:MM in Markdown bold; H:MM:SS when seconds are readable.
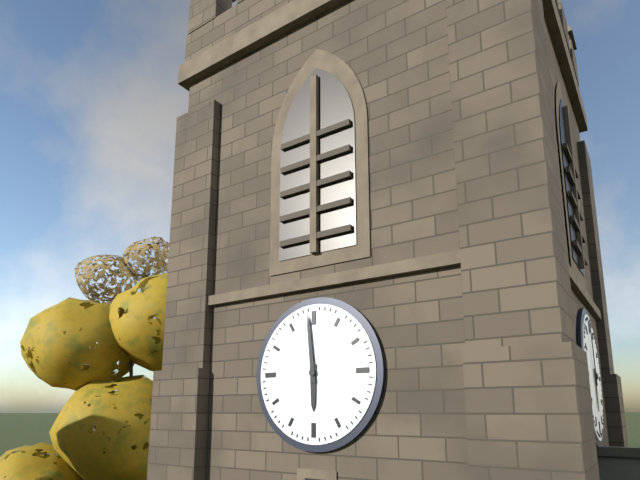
**5:59**
